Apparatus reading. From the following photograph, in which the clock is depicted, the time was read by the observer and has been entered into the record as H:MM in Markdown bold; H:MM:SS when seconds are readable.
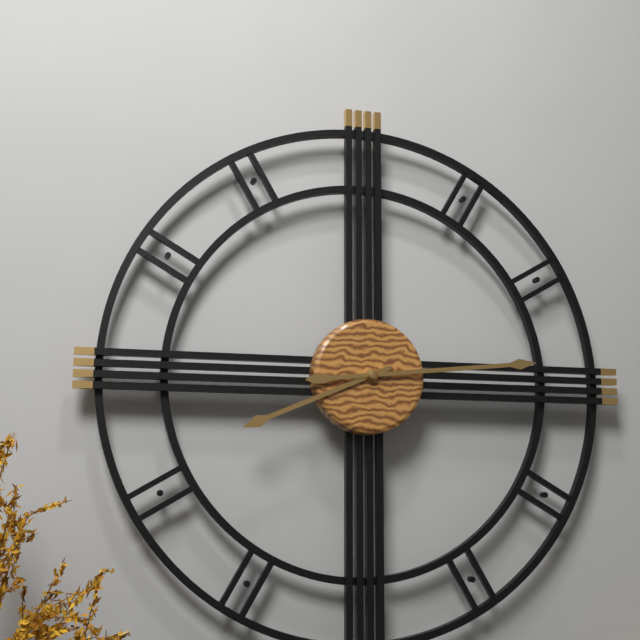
**8:14**
